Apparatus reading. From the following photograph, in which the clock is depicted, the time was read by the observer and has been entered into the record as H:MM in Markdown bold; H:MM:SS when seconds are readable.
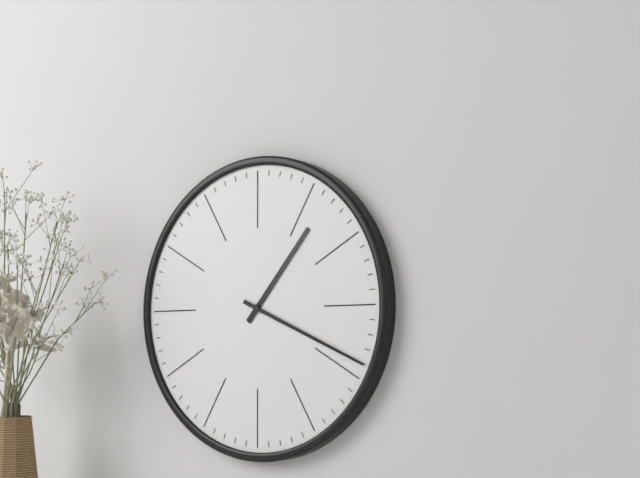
**1:19**
